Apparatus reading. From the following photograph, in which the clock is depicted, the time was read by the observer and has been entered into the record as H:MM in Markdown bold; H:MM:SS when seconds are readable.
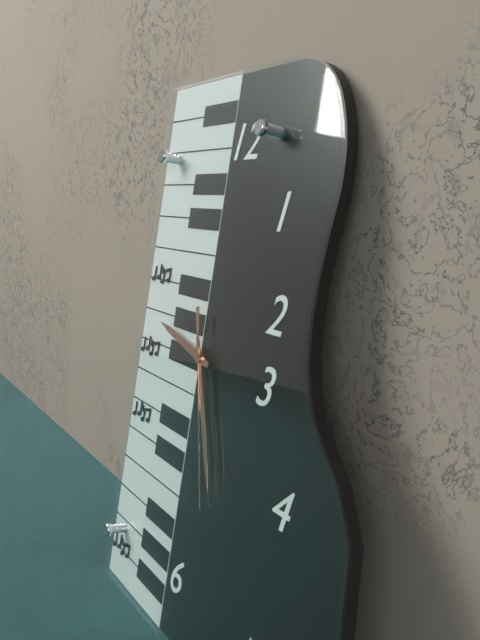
**9:26:27**
